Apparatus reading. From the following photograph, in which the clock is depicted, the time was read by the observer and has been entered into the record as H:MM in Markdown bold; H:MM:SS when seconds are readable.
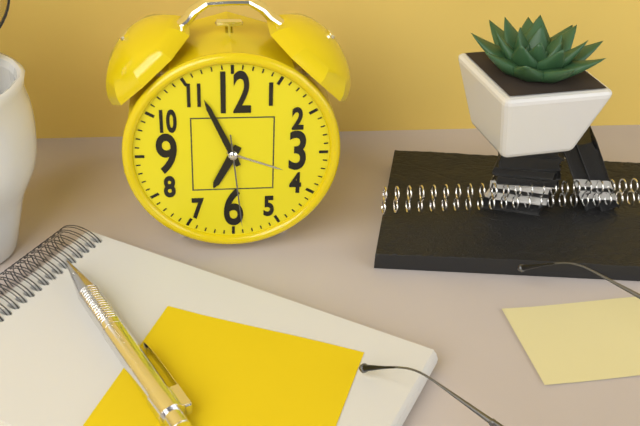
**6:56:29**
